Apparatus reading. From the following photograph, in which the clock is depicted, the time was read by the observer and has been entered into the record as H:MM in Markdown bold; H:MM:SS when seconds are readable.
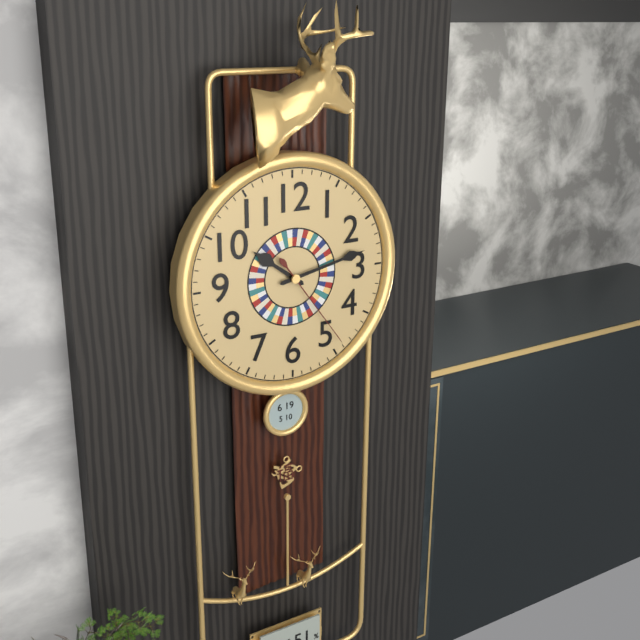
**10:13:24**
